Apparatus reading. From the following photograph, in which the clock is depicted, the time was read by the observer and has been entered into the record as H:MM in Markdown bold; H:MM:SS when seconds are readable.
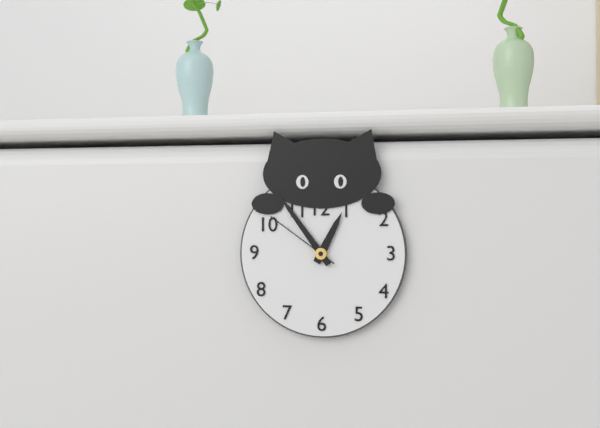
**12:54:51**
